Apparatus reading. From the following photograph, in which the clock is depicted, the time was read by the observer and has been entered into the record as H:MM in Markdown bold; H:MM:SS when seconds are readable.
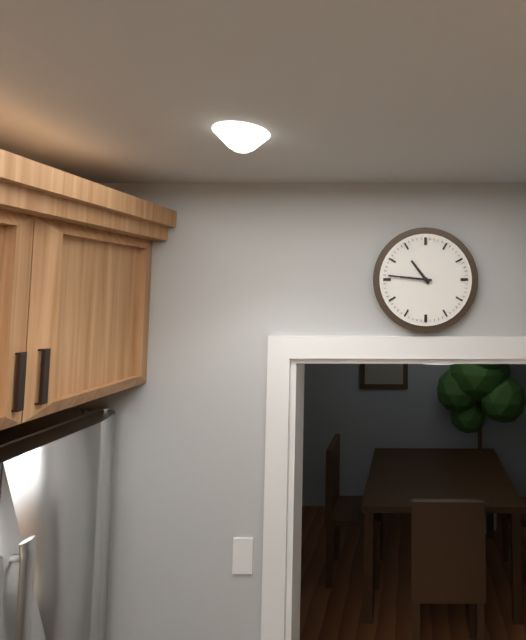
**10:46**
